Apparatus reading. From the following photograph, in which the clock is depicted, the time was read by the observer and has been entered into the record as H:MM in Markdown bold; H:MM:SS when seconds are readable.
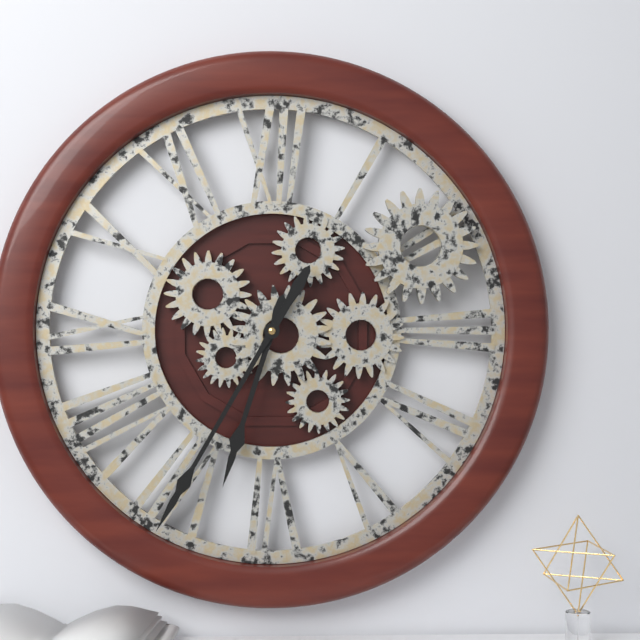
**6:35**
